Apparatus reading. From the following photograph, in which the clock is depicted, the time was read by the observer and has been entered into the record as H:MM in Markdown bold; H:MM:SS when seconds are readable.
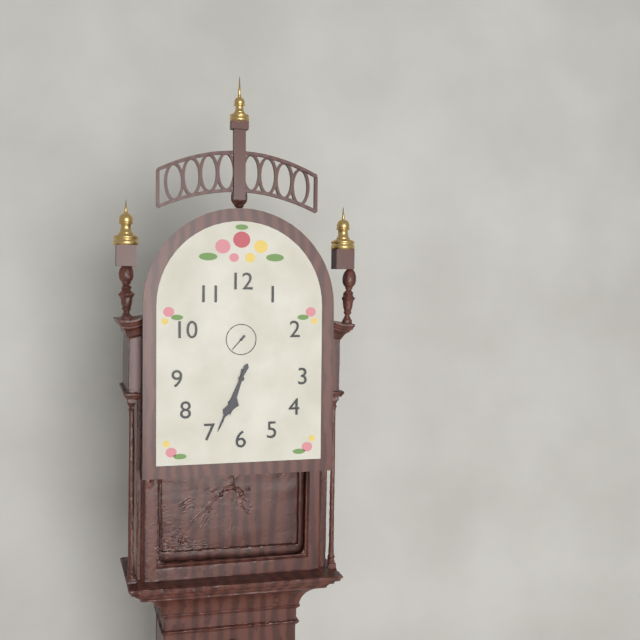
**6:34**
